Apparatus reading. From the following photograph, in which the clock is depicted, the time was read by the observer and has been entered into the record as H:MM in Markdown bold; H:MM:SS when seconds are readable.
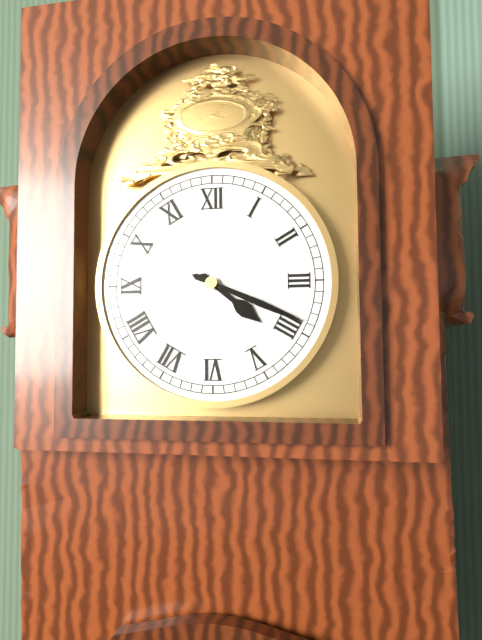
**4:19**
